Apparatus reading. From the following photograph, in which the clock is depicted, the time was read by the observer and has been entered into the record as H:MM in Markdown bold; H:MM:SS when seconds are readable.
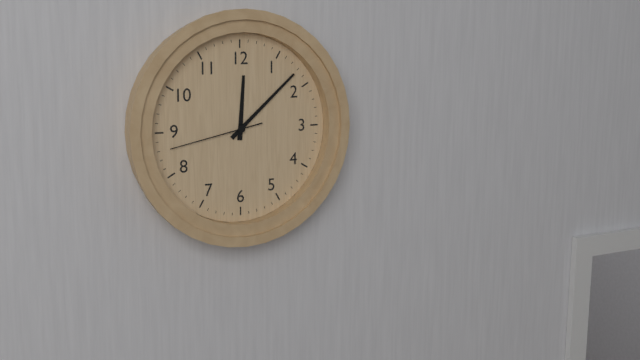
**12:08:43**
